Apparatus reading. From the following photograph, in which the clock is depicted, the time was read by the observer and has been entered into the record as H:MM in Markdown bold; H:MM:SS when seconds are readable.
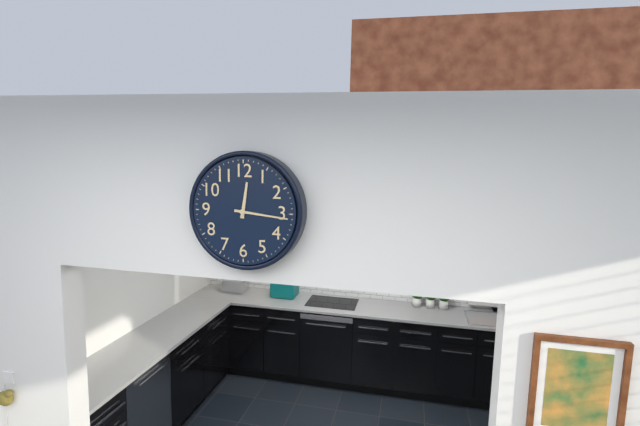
**12:16**
